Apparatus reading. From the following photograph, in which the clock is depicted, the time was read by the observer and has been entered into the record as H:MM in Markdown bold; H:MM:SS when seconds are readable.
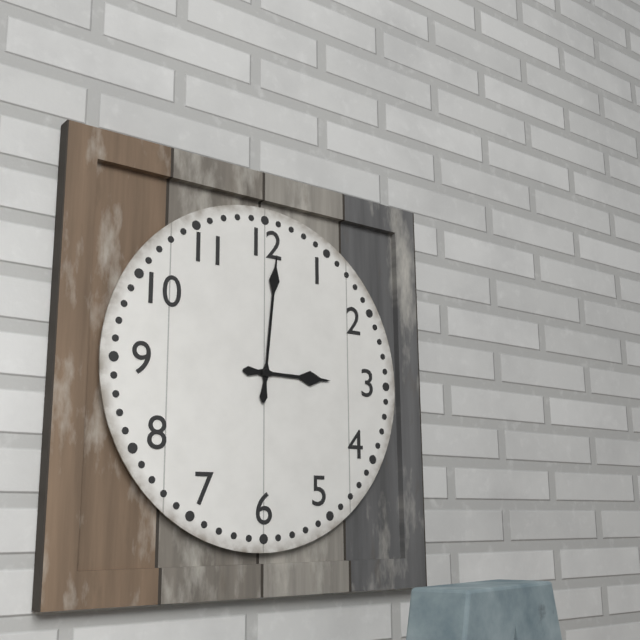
**3:01**
